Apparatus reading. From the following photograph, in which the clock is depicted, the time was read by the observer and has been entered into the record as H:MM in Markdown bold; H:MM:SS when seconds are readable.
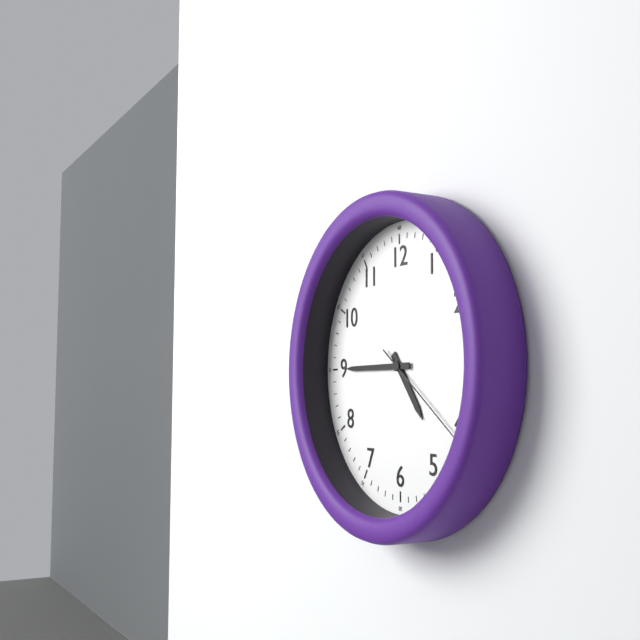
**4:45:21**
